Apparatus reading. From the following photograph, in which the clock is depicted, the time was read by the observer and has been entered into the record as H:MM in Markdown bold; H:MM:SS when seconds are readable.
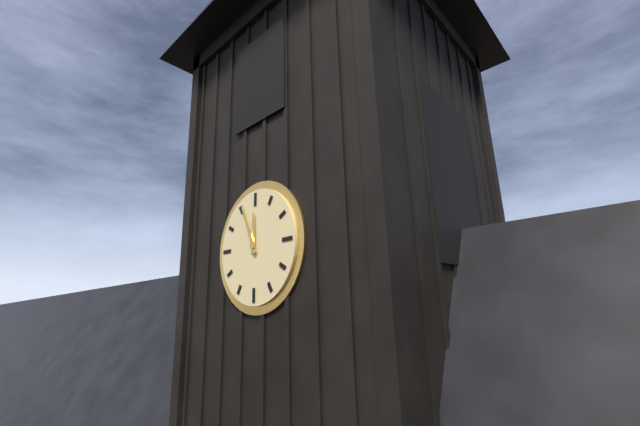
**11:56**
